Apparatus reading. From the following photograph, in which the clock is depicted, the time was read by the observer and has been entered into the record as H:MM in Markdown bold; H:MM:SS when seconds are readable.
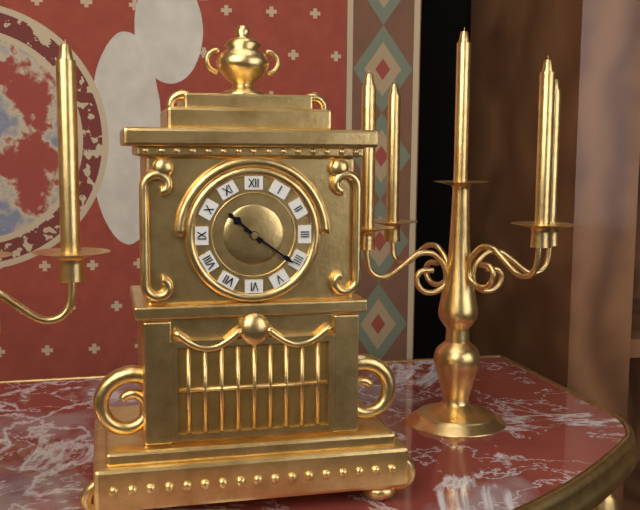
**10:21**
